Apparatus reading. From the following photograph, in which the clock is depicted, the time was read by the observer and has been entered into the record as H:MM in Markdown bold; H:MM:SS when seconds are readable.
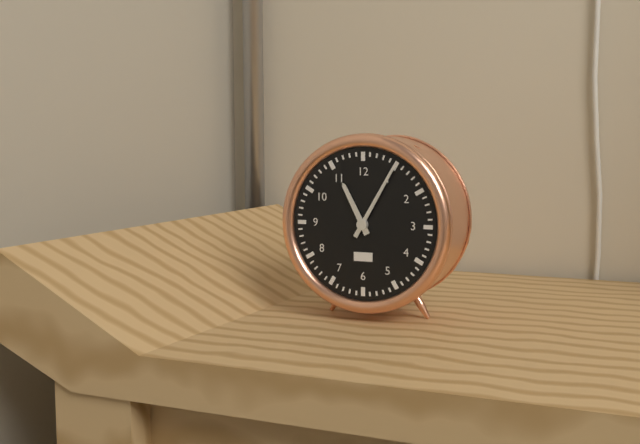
**11:05**
